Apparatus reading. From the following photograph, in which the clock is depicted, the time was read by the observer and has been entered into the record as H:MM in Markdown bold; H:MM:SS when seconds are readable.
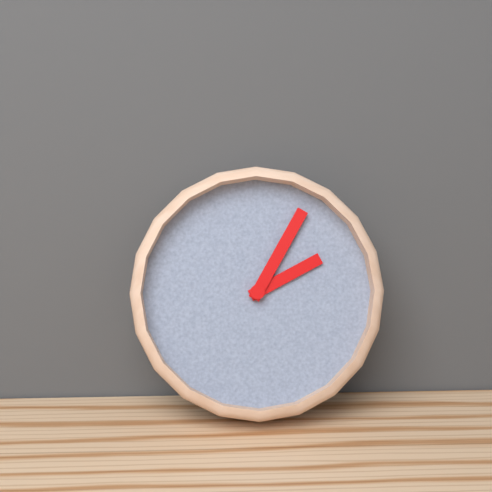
**2:05**
